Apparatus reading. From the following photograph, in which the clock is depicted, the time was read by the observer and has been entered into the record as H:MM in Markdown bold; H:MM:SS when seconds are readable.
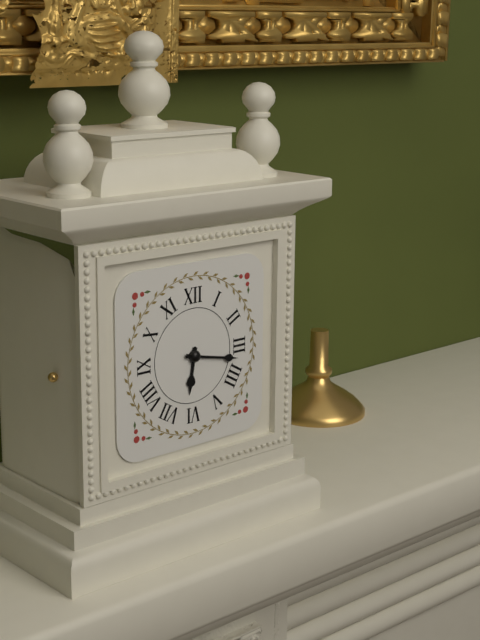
**6:17**
